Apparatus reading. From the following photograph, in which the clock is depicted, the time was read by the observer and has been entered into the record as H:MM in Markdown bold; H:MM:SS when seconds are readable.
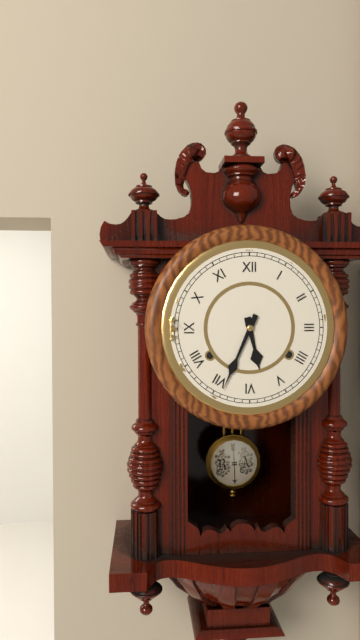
**5:34**
